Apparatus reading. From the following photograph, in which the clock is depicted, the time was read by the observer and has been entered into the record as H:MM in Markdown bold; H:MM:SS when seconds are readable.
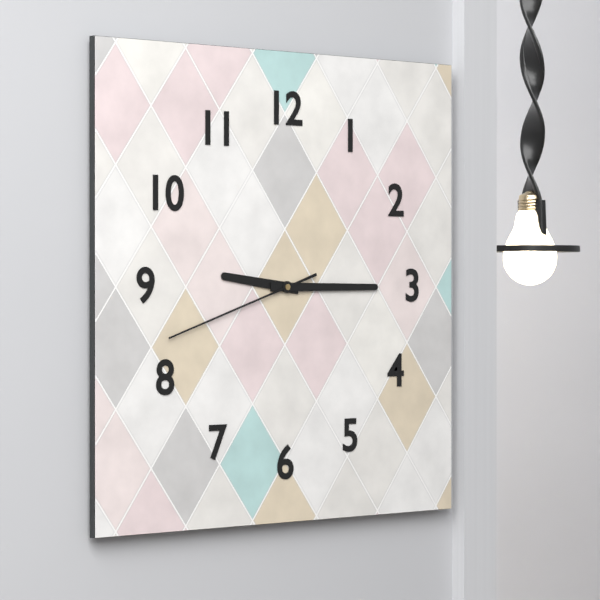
**9:15:42**
